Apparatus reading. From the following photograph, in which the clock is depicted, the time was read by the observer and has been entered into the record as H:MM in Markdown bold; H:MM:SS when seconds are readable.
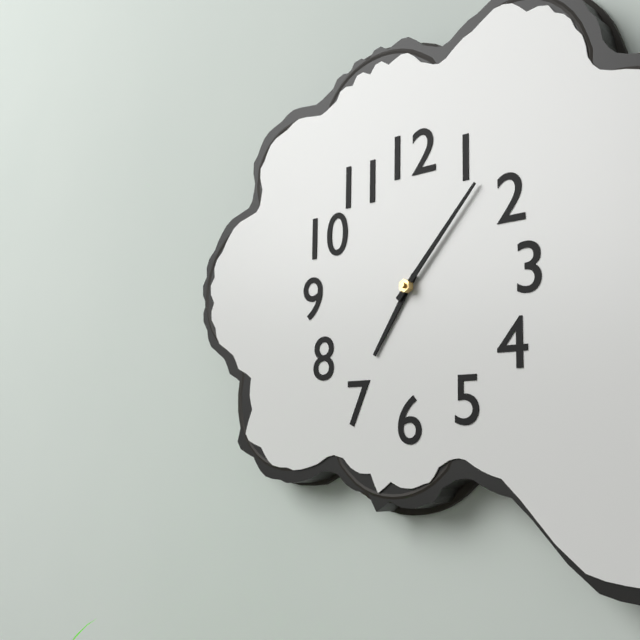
**7:07**
